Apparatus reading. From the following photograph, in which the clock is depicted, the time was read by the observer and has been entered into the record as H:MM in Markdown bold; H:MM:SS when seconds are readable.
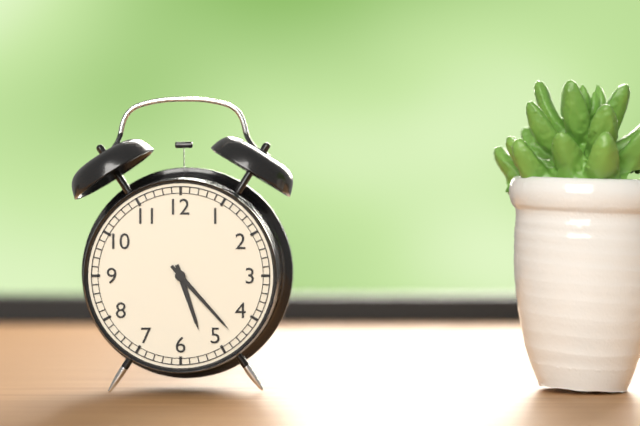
**5:23**
